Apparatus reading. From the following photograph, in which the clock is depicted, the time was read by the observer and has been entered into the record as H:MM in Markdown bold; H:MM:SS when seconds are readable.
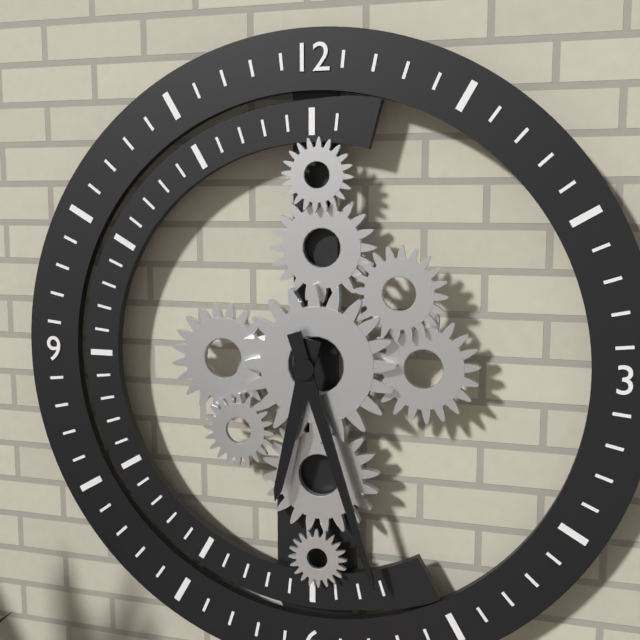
**6:27**
